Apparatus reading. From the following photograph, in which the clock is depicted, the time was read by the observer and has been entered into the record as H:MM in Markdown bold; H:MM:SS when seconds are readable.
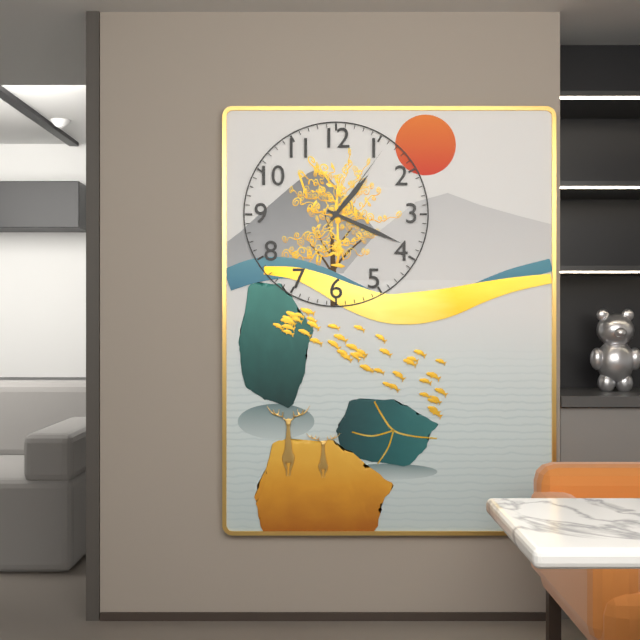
**1:19:06**
